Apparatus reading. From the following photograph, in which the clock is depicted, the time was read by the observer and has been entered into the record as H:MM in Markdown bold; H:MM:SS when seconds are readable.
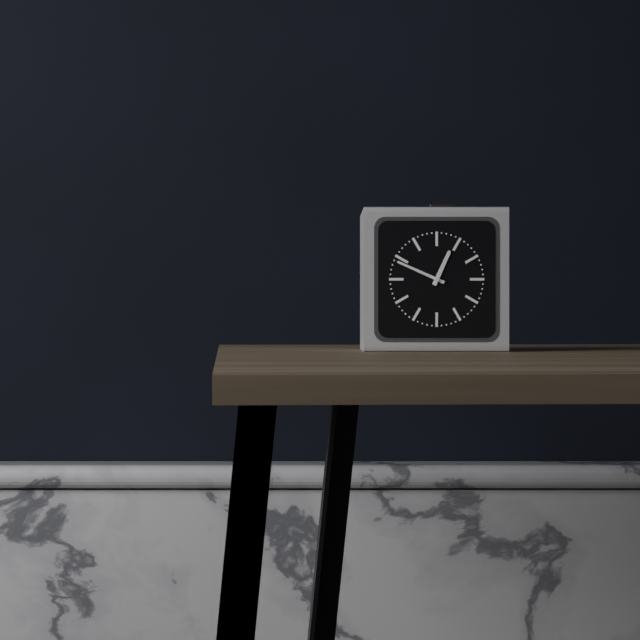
**12:49**
